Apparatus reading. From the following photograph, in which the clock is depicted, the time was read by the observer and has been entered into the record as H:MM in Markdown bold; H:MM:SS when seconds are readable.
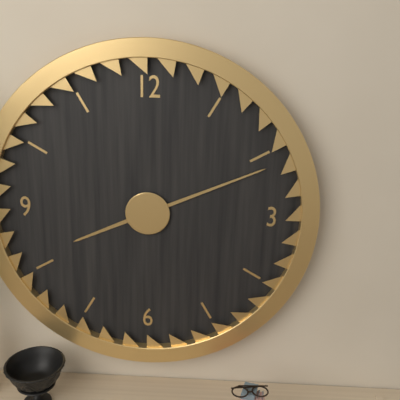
**8:11**
